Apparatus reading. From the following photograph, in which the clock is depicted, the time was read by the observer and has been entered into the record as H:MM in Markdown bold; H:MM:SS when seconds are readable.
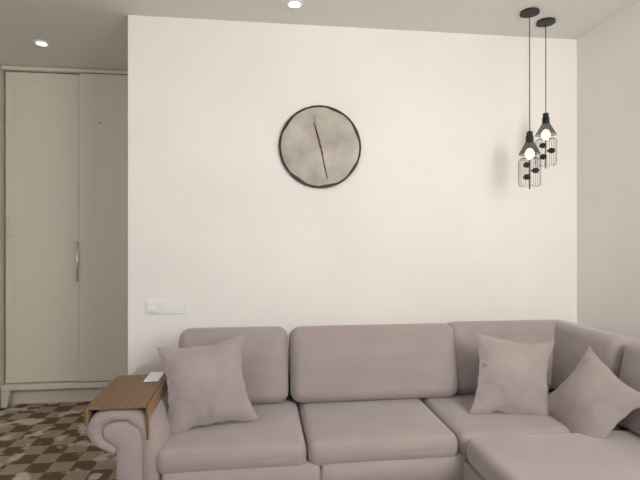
**11:28**
